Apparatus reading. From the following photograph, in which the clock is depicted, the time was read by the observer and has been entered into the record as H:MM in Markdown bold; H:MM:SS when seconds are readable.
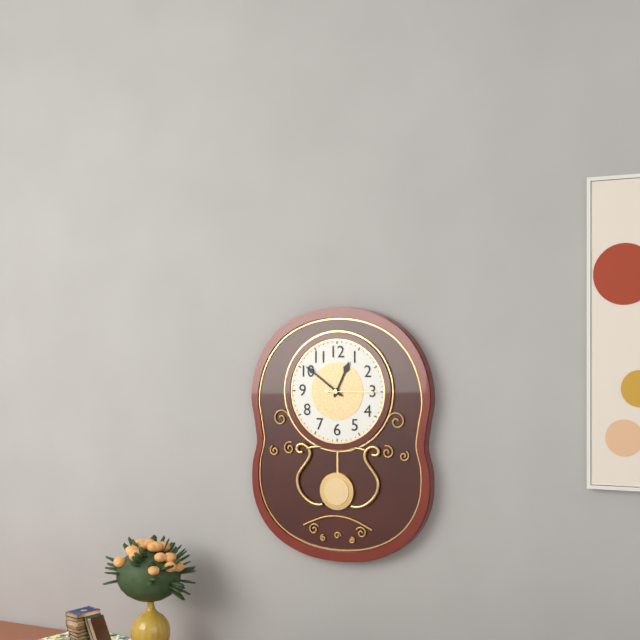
**12:51**
